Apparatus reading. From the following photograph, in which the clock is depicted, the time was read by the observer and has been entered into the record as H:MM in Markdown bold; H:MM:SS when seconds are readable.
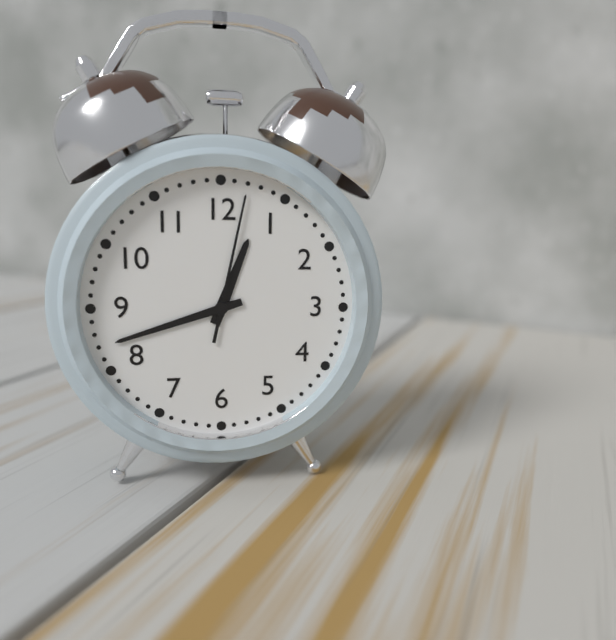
**12:42:02**
